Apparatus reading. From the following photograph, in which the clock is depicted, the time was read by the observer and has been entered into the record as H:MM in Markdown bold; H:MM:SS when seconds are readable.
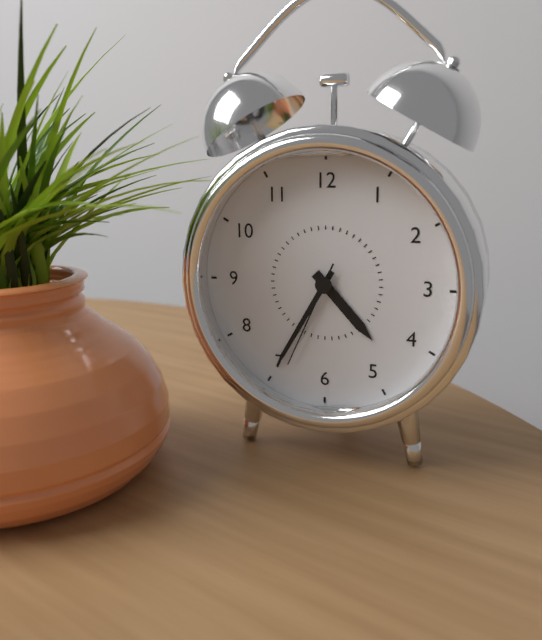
**4:35:34**
